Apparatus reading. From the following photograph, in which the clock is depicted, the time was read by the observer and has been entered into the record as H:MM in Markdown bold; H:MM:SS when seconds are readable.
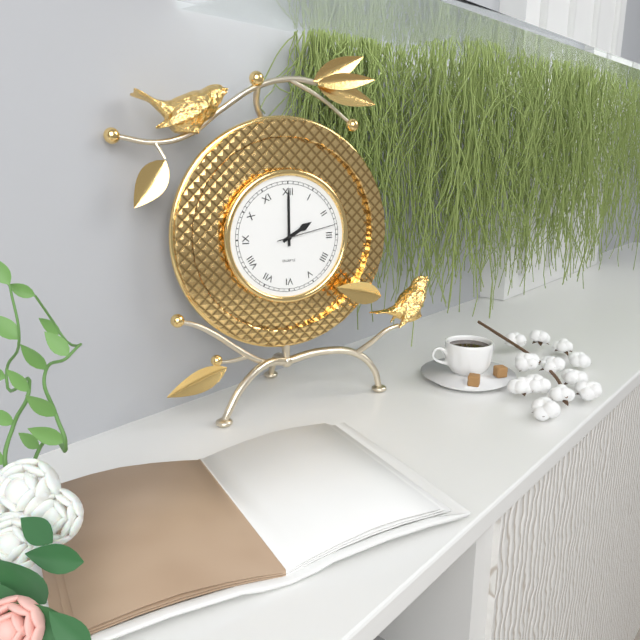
**2:00:13**
